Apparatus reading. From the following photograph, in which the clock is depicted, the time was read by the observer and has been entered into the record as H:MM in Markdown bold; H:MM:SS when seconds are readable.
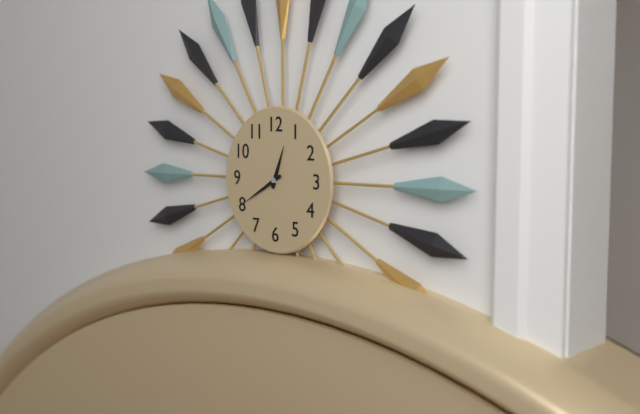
**12:40**
